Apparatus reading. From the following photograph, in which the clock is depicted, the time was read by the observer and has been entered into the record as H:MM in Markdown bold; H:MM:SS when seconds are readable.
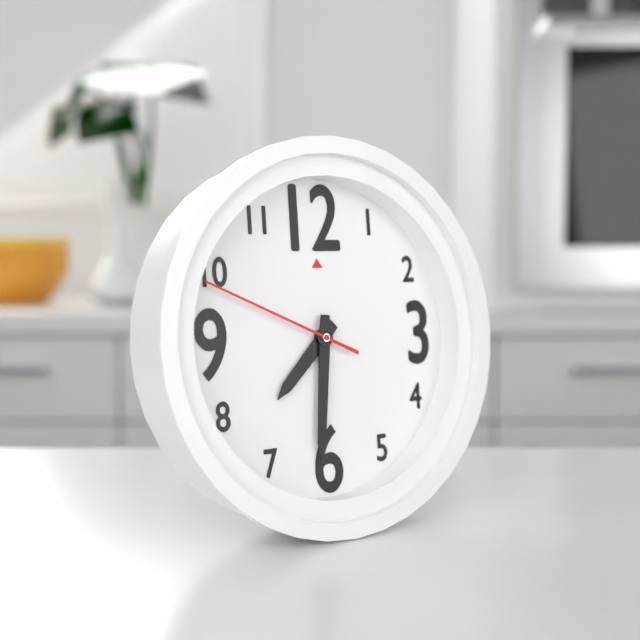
**7:31:49**
